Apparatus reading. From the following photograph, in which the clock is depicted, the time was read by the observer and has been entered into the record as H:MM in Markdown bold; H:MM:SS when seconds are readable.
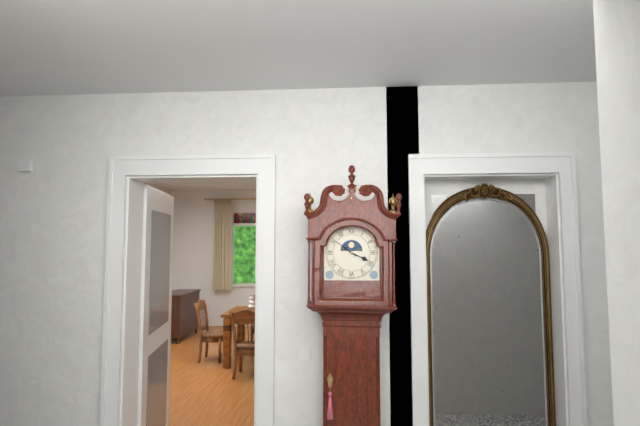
**3:51**
